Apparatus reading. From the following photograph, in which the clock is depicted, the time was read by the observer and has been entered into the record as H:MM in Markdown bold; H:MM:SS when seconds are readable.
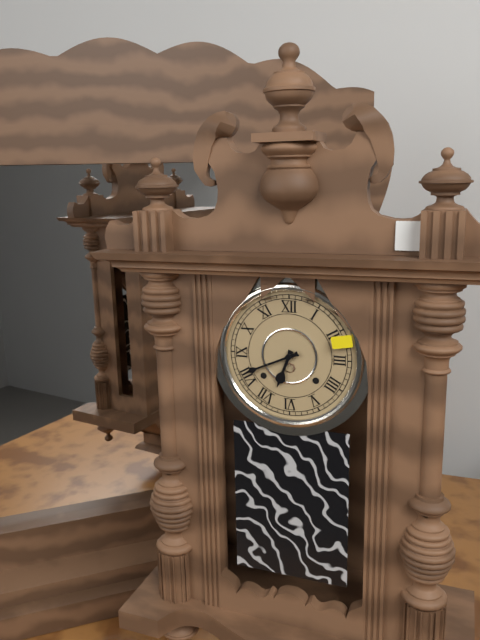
**6:41**
